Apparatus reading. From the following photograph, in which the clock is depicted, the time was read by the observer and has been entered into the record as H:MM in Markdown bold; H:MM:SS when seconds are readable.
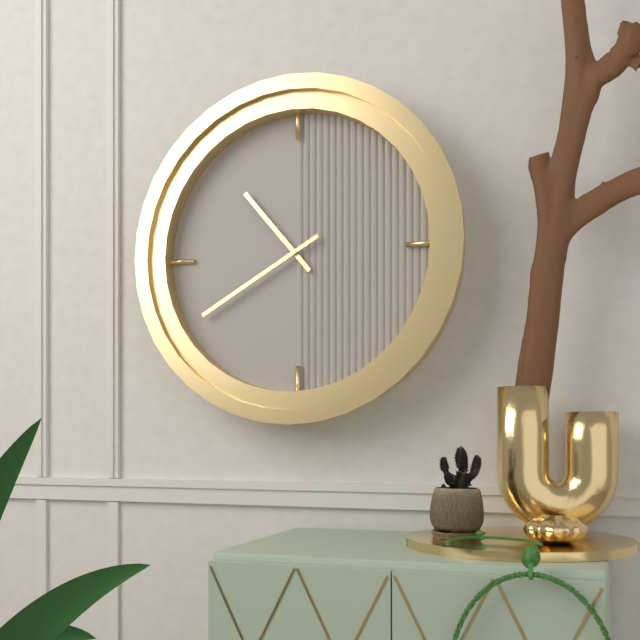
**10:40**
